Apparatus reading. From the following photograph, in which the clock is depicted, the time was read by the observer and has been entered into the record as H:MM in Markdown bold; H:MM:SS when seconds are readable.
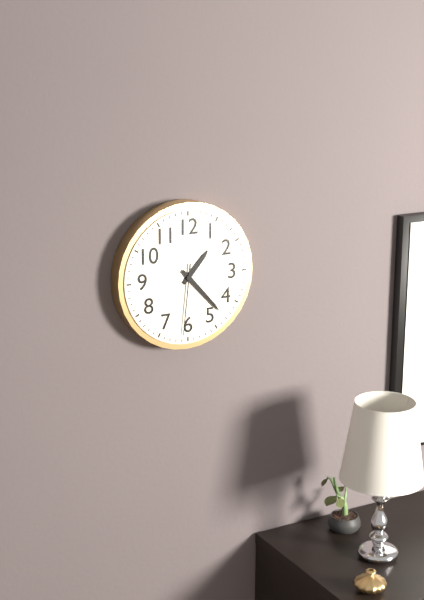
**1:23:31**
